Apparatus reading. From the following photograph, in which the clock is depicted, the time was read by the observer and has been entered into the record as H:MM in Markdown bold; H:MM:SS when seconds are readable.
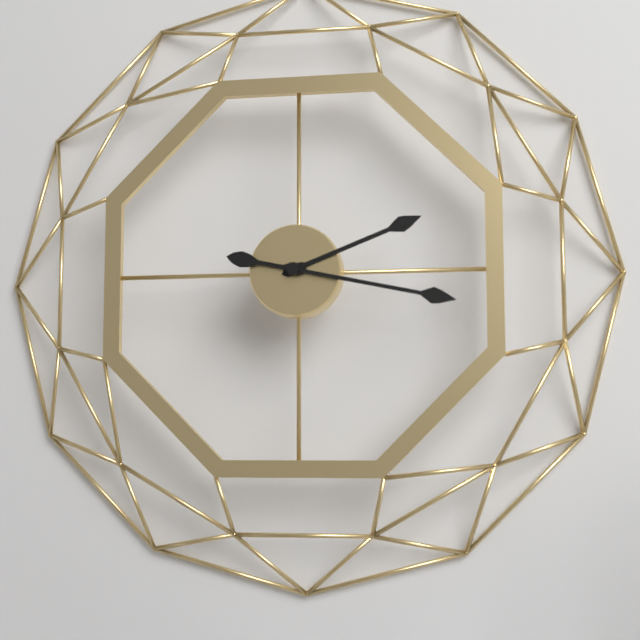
**2:17**
